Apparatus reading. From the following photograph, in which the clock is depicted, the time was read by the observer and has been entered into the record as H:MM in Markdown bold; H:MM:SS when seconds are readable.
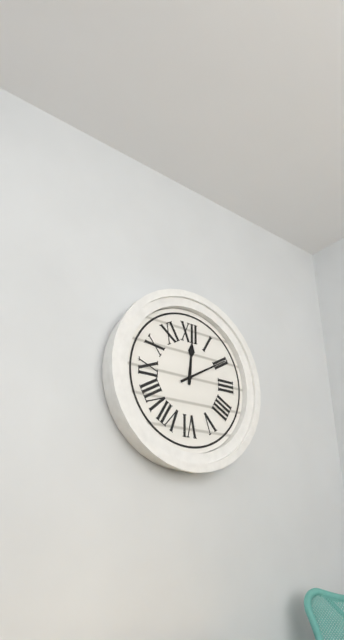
**12:10**
